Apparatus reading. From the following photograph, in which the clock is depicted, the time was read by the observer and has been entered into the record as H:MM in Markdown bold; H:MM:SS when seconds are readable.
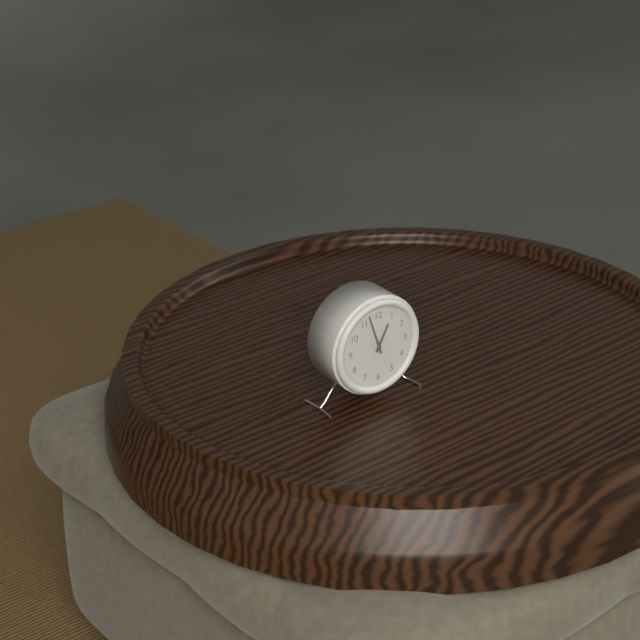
**12:57**
